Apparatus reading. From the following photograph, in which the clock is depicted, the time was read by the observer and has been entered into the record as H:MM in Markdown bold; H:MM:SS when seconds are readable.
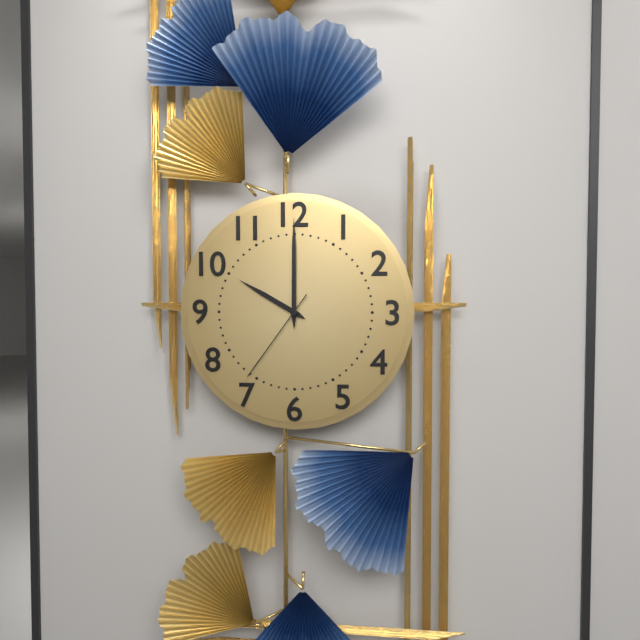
**10:00:36**
